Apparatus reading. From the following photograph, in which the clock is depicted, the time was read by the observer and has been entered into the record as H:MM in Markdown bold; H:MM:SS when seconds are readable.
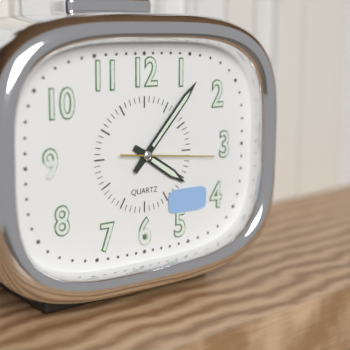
**4:07:16**
